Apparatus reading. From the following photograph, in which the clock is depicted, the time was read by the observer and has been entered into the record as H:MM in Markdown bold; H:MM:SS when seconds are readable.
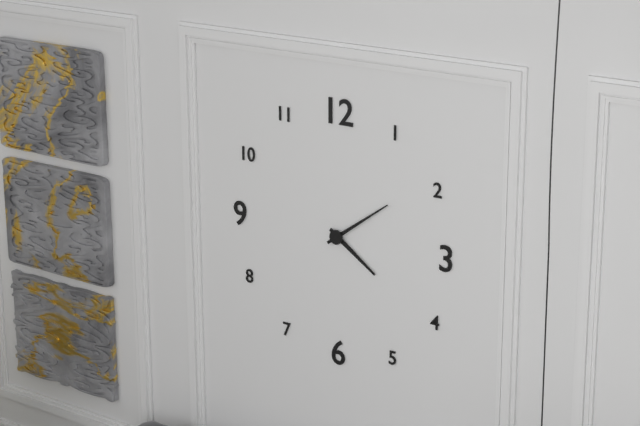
**4:09**
